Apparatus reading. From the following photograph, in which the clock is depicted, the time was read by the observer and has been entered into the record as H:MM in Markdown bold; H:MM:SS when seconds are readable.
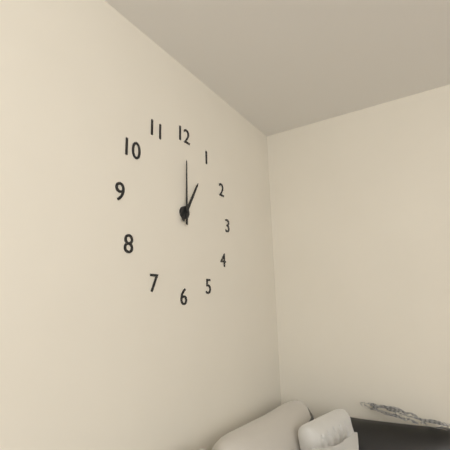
**1:00**
